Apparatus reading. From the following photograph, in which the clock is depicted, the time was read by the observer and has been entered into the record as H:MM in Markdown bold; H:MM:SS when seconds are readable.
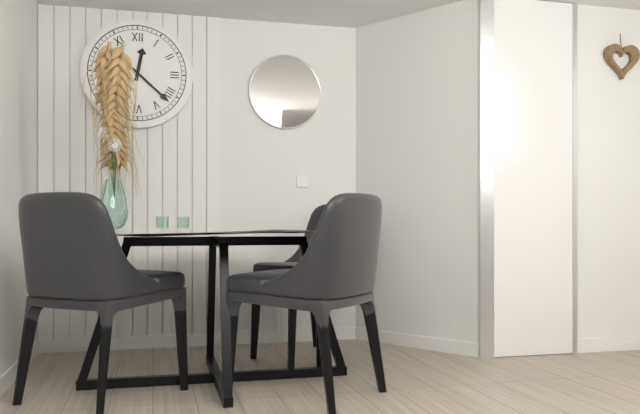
**12:22**
